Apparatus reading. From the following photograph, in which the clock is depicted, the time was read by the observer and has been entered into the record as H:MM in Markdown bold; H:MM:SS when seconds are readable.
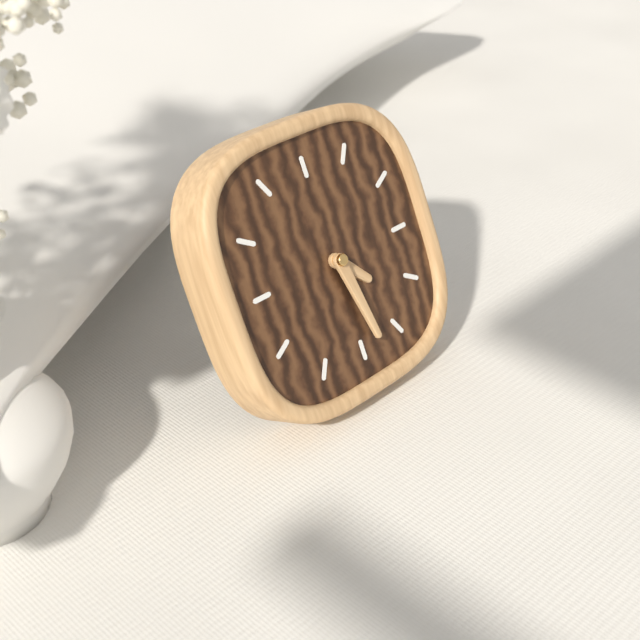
**4:28**
